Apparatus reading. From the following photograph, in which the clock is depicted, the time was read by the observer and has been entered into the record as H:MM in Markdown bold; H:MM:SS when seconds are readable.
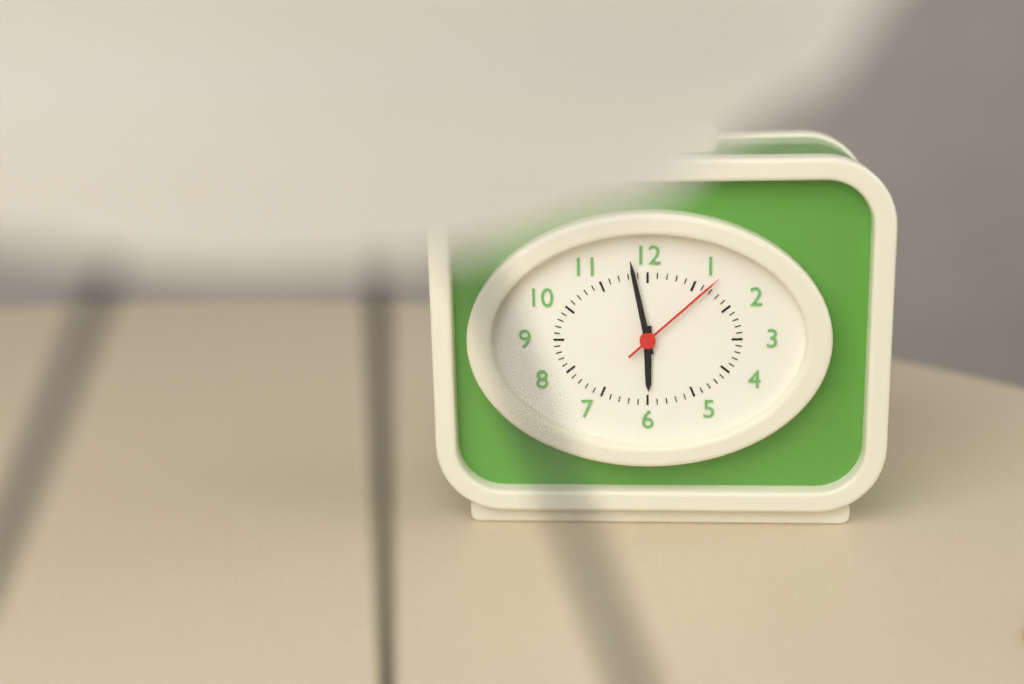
**5:58:08**
